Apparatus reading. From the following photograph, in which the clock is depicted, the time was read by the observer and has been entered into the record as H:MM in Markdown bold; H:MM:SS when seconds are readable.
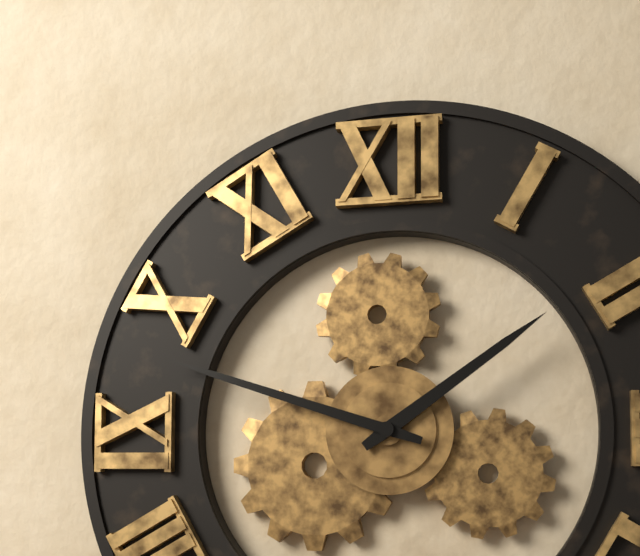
**1:48**
